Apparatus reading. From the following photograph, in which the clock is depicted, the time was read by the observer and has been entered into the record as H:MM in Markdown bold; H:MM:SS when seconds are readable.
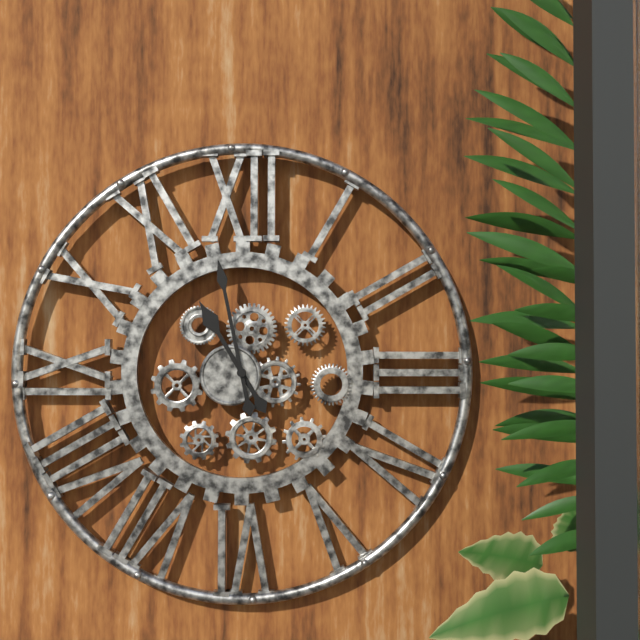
**10:58**
